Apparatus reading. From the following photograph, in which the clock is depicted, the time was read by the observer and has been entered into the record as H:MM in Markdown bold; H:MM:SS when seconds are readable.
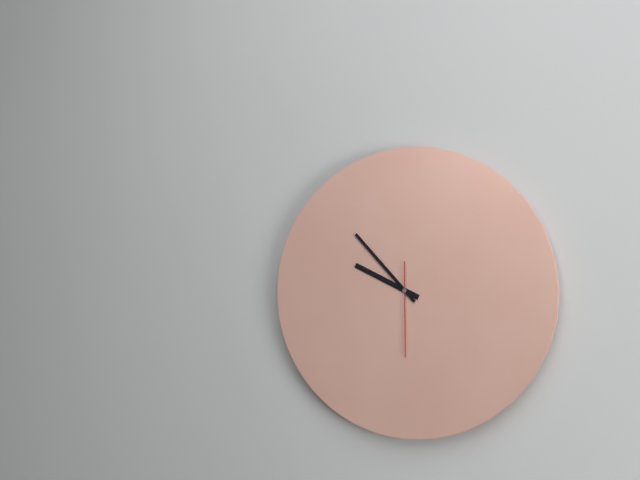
**9:53:30**
